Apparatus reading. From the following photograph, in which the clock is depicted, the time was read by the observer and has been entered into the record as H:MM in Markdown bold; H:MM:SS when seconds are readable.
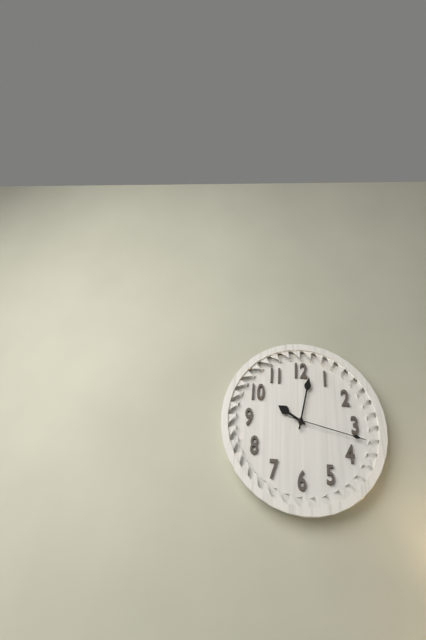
**10:02:17**
